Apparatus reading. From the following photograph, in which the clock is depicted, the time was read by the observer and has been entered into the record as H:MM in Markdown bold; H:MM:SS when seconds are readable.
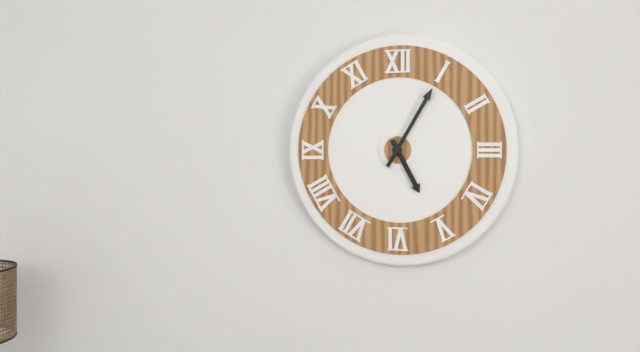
**5:05**
